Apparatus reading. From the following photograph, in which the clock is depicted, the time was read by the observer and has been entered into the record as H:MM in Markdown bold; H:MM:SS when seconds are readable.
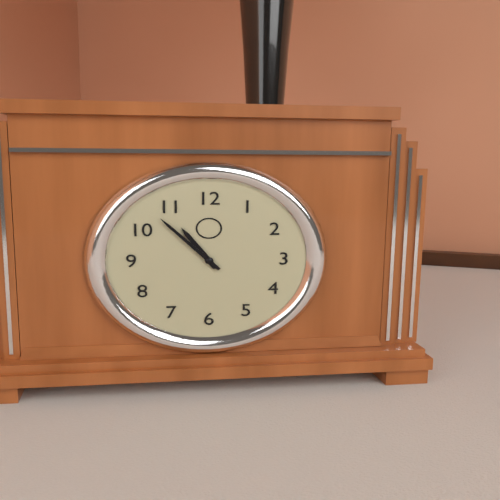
**10:53**
